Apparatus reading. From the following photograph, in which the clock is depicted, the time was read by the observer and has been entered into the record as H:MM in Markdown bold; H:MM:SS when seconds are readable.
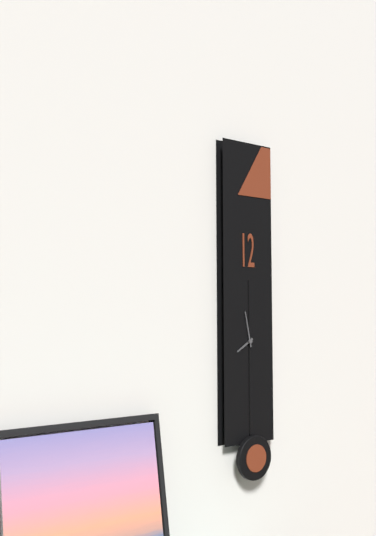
**7:58**
